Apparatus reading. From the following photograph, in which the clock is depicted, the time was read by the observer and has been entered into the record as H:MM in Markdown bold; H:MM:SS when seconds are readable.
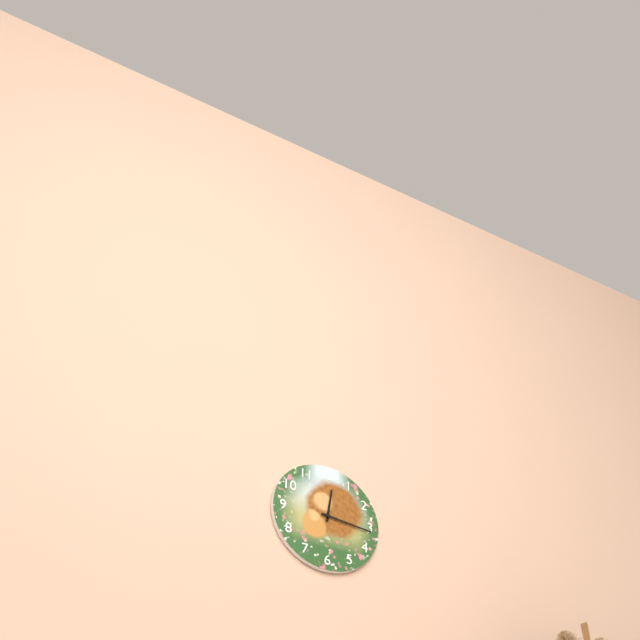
**12:16**
